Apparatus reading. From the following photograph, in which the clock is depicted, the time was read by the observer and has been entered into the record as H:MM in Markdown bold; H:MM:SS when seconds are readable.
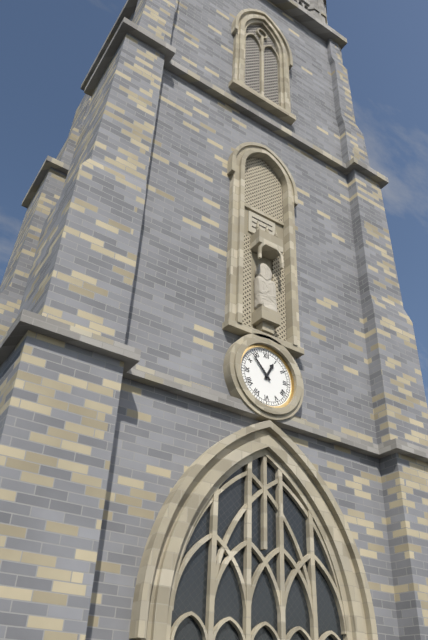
**12:53**
